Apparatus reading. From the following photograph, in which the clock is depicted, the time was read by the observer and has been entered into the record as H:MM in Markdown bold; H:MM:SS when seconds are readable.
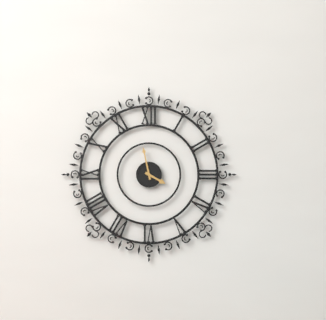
**3:58**
